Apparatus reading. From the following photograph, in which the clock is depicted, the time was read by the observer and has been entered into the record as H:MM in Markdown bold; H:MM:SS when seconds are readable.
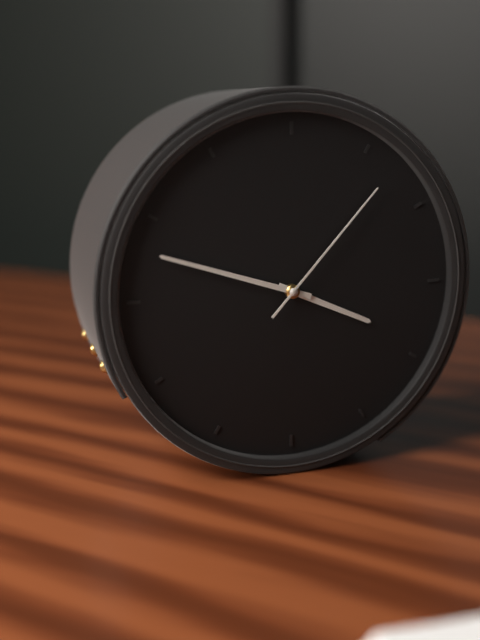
**3:48:07**
